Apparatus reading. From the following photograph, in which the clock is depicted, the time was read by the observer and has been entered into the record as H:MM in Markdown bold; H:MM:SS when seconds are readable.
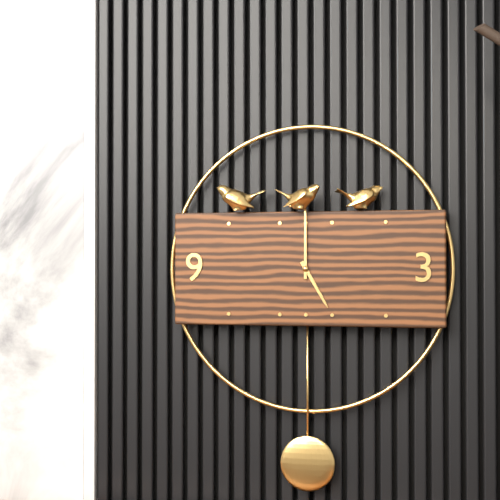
**5:00**
